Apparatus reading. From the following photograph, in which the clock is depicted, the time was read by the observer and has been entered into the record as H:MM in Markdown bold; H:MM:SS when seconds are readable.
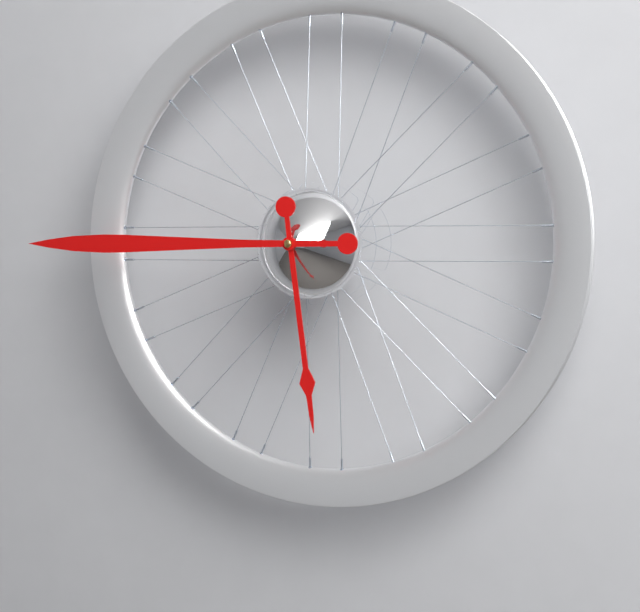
**5:45**
